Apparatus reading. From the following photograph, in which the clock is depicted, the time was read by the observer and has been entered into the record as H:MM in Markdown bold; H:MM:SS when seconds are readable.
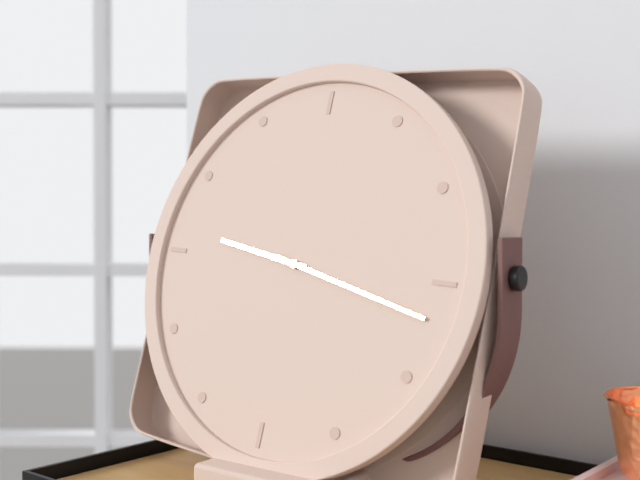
**9:17**
